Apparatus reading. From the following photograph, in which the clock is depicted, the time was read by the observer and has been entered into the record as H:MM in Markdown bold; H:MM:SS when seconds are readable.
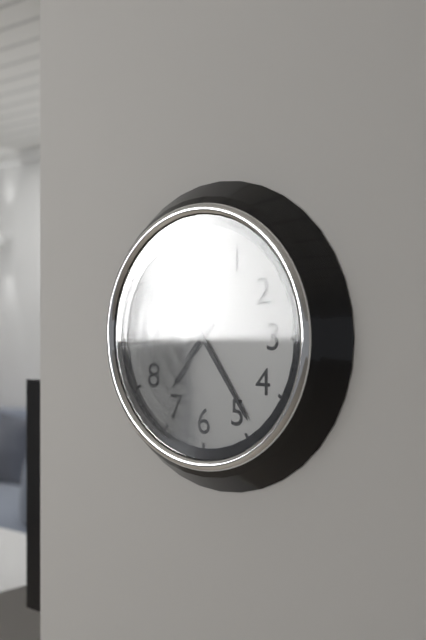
**7:24**
